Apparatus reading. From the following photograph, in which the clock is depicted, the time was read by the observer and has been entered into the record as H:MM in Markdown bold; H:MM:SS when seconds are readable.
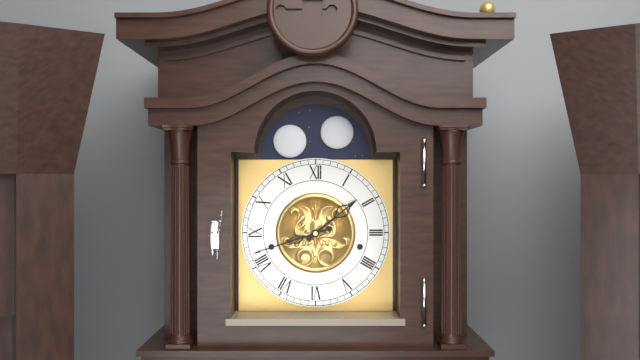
**1:42**
